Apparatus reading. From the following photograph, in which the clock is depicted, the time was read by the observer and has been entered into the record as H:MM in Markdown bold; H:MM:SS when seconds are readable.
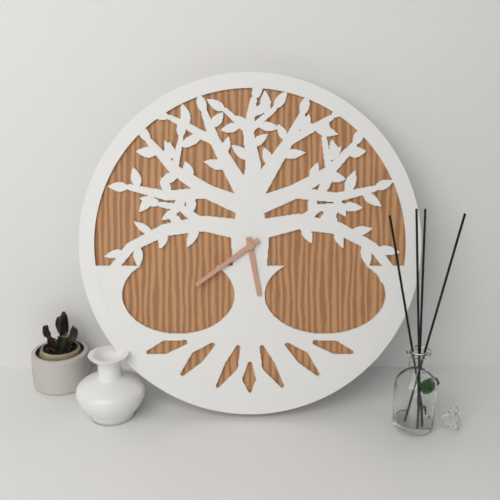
**5:39**
